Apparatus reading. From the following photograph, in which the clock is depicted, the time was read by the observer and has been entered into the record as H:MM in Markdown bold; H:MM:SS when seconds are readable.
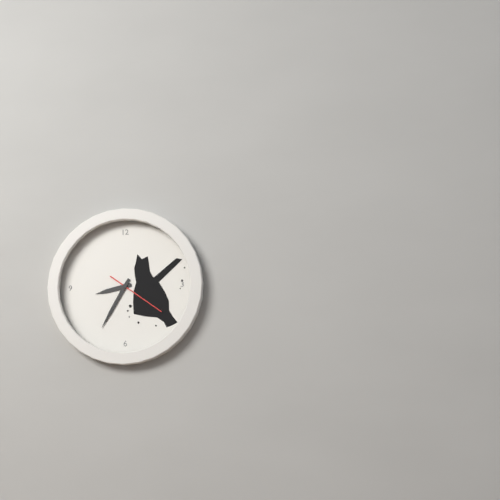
**8:35:21**
